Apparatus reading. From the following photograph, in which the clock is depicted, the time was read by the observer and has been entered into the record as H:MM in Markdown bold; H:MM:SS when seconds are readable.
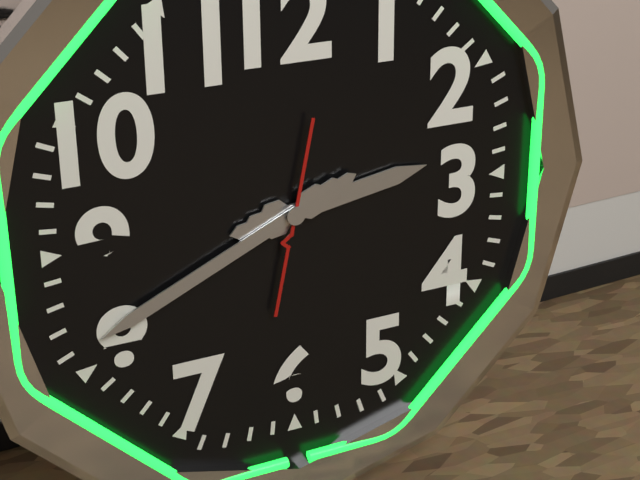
**2:41:32**
